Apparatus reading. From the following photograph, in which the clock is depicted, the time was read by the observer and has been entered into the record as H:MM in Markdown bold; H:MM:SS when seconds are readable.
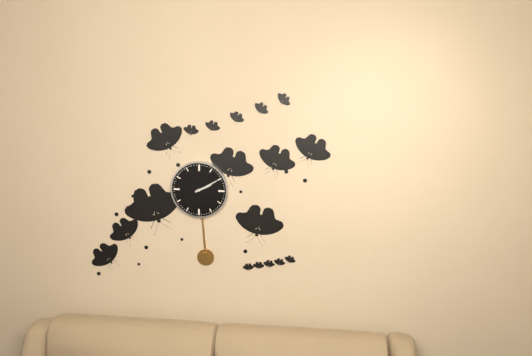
**2:10**
